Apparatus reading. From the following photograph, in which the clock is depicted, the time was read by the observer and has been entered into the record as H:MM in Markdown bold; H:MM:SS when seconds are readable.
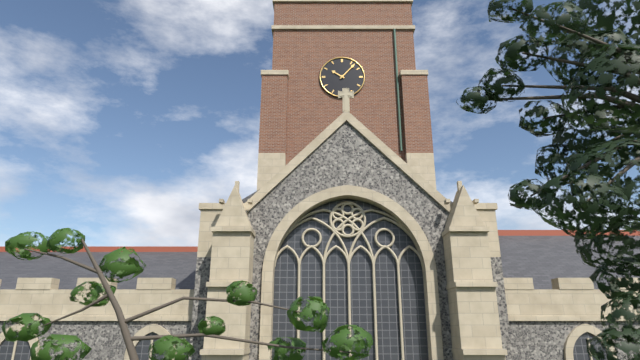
**10:07**
